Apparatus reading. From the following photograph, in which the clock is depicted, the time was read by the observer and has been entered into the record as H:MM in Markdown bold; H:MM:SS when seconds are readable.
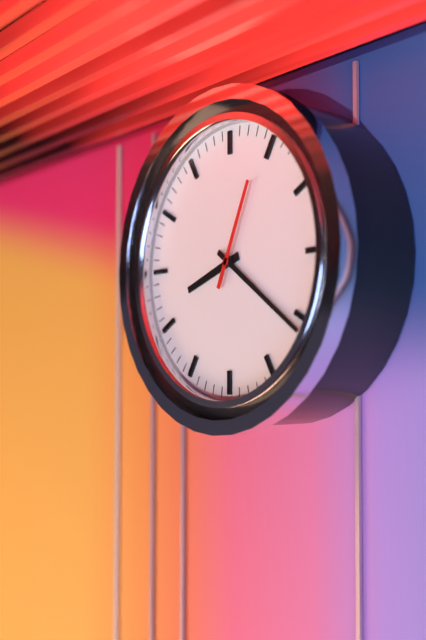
**8:21:04**
